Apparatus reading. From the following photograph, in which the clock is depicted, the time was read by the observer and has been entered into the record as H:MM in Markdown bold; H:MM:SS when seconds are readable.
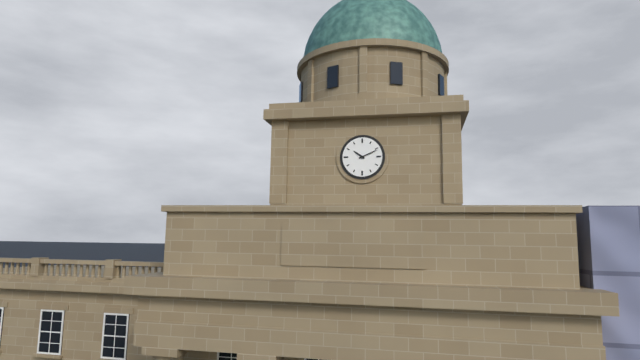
**10:11**
